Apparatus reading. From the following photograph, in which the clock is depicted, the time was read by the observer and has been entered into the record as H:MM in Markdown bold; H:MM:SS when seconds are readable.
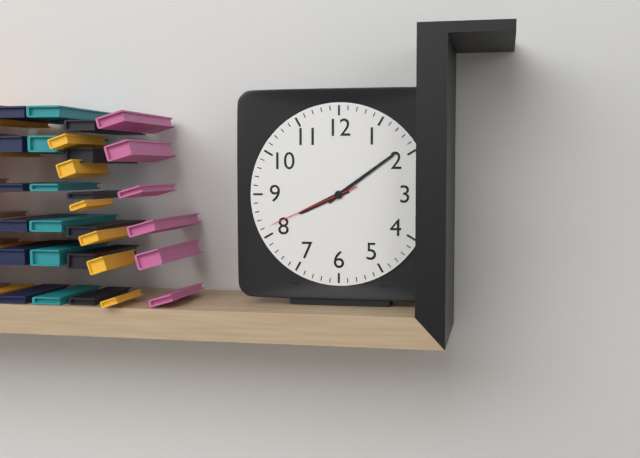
**8:09:41**
